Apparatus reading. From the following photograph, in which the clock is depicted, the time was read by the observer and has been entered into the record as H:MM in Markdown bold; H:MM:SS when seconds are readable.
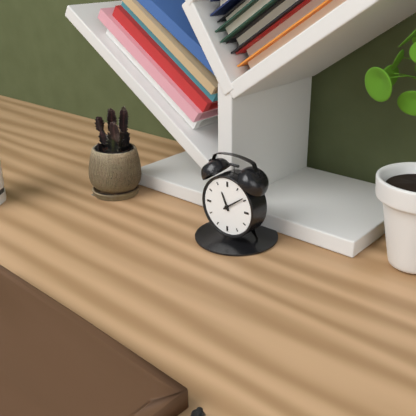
**11:09**
